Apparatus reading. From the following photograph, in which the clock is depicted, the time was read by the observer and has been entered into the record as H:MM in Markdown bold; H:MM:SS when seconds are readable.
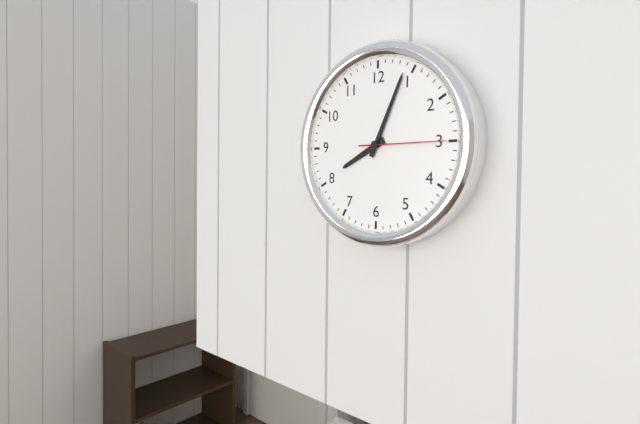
**8:04:15**
